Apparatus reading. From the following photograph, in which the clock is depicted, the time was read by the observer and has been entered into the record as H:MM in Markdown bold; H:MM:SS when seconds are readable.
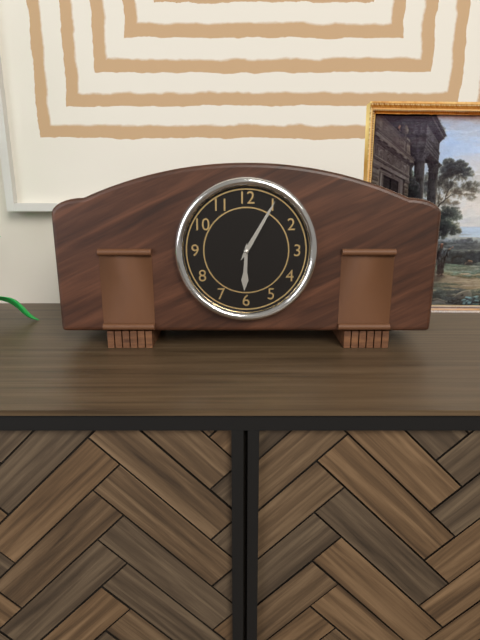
**6:05**
